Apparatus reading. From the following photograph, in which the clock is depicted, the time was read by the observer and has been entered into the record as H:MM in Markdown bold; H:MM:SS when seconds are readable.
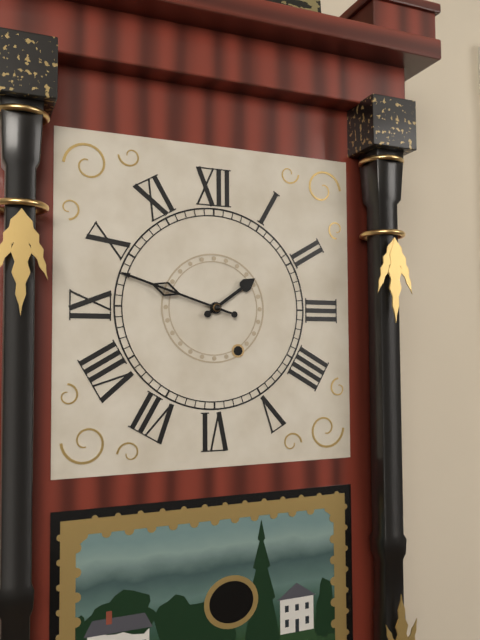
**1:48**
